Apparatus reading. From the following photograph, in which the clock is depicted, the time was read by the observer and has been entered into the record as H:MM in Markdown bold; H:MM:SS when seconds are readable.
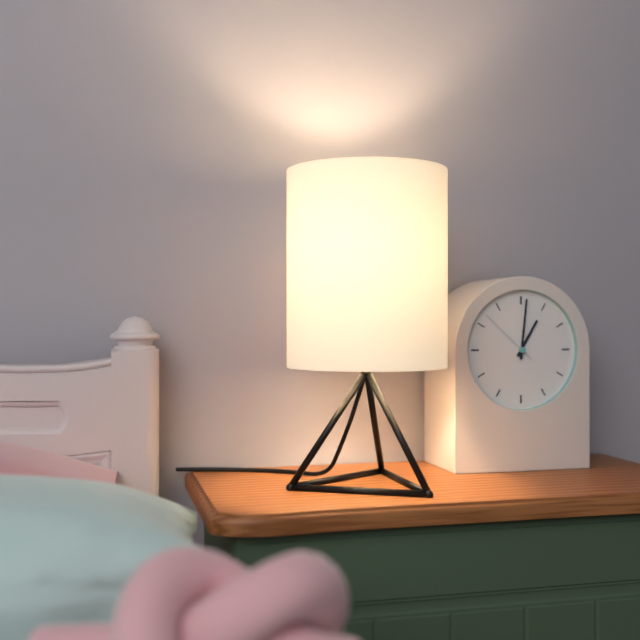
**1:01:52**
